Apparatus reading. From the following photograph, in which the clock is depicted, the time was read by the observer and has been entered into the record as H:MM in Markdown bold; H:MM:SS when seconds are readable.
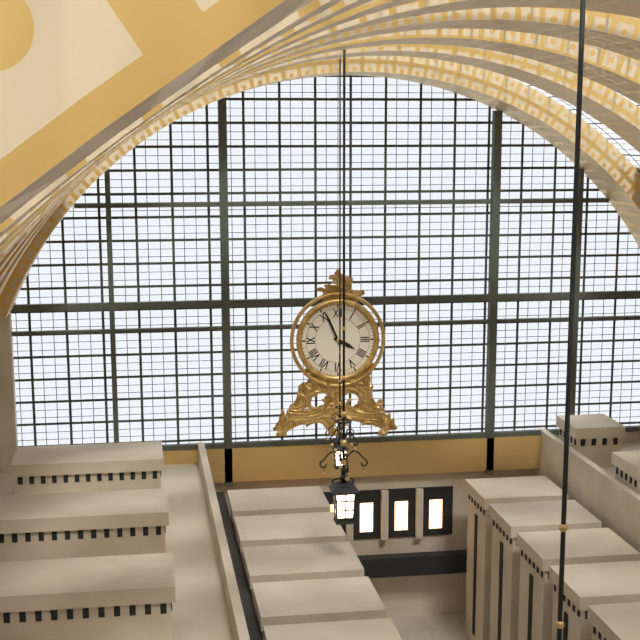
**3:56**
